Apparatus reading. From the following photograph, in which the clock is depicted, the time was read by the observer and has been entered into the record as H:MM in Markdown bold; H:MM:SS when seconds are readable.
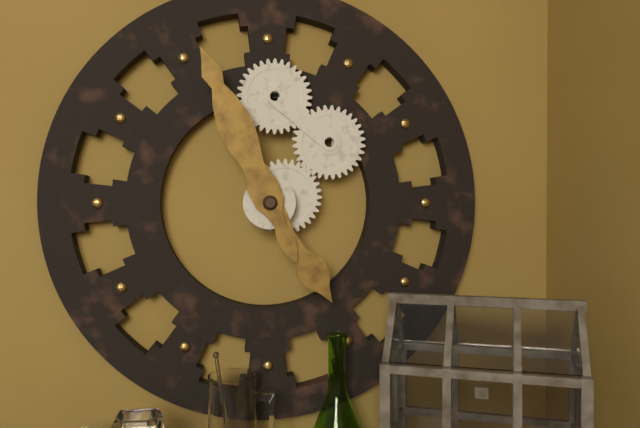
**4:56**
